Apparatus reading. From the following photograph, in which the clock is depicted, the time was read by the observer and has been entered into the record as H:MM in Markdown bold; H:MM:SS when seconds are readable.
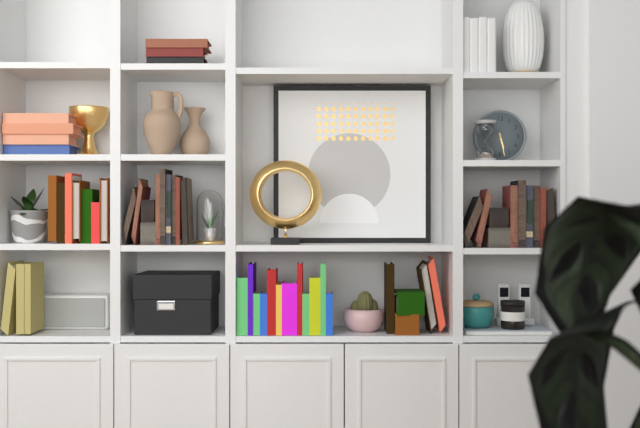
**5:28**
